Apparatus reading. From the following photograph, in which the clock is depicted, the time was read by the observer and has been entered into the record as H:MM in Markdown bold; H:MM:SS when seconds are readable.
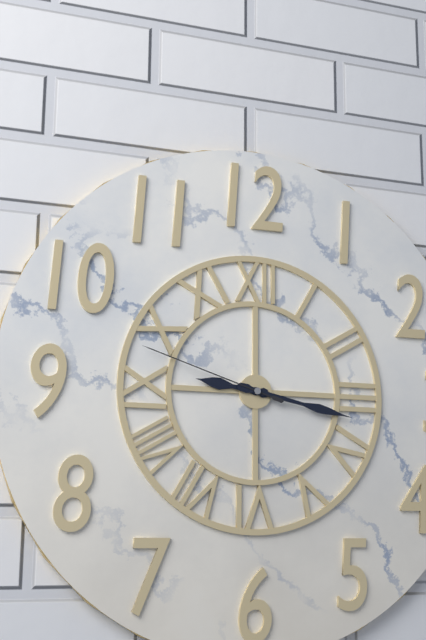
**9:17:48**
